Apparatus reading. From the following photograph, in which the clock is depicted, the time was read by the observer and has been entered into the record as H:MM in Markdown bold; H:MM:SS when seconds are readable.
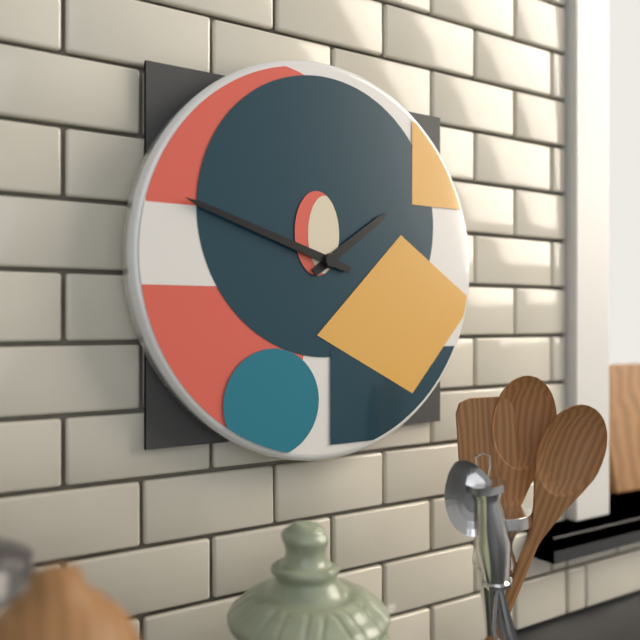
**1:48**
